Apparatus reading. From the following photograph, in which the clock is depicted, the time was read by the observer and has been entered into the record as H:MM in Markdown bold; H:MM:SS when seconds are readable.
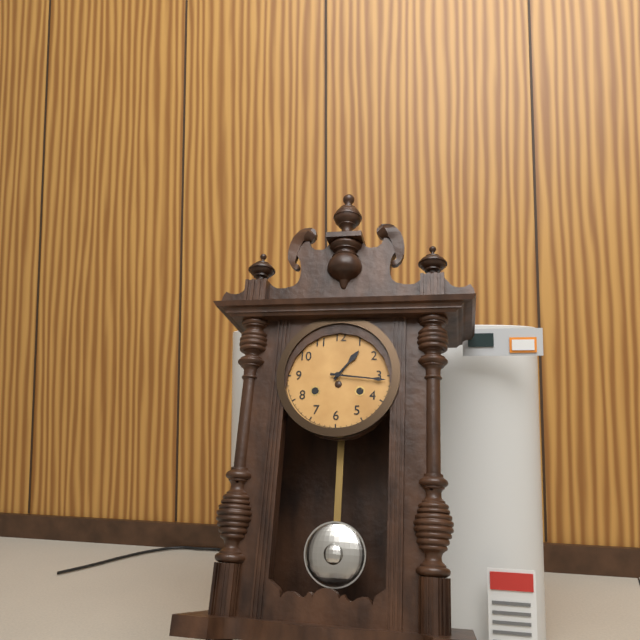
**1:16**
